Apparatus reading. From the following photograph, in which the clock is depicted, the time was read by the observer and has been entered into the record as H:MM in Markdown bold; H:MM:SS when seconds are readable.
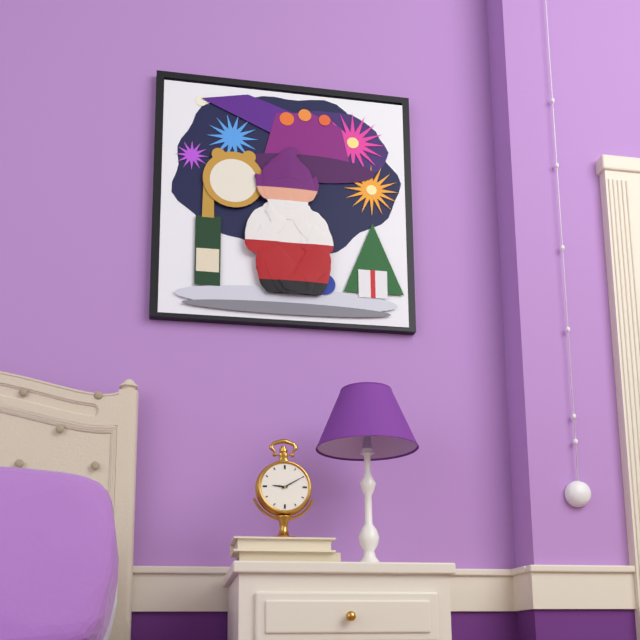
**9:10**
